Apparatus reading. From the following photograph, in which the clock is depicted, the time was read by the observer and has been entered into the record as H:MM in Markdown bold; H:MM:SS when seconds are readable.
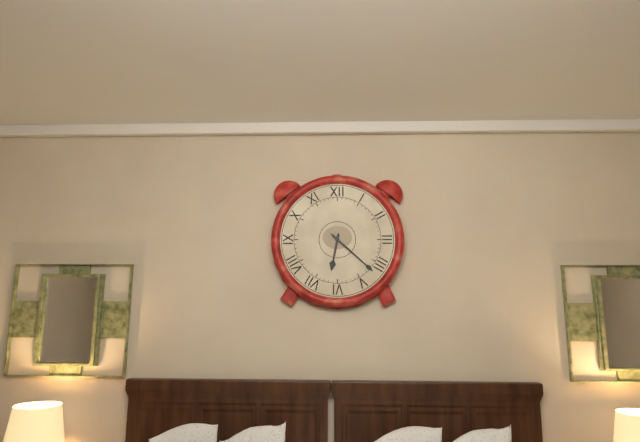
**6:22**
